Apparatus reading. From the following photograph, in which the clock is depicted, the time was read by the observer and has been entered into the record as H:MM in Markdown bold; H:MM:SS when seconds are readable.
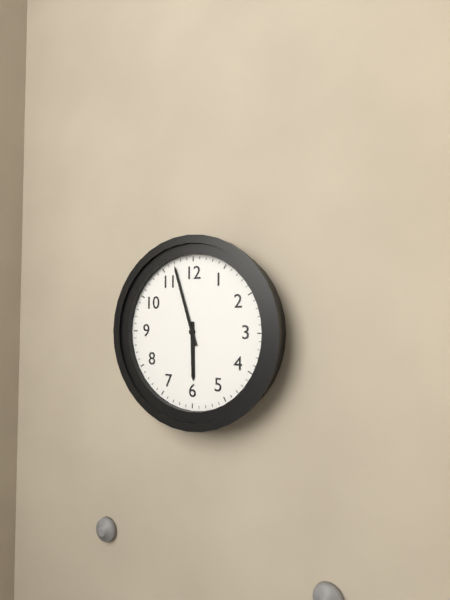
**5:57**
